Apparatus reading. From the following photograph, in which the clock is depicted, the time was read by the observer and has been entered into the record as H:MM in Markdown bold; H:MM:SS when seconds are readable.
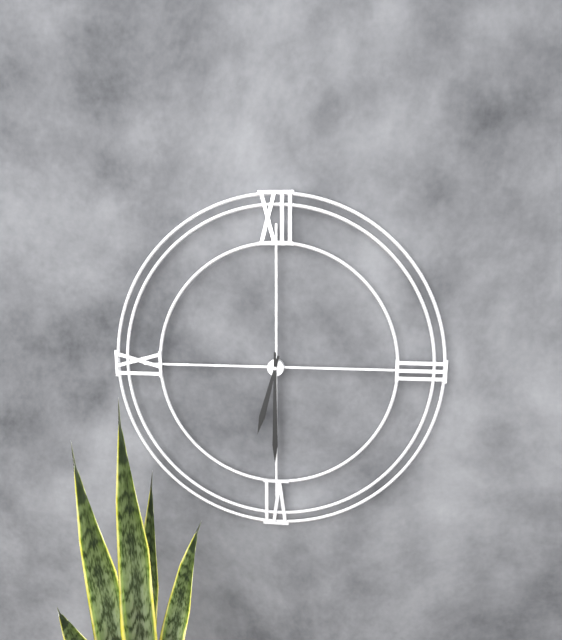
**6:30**
